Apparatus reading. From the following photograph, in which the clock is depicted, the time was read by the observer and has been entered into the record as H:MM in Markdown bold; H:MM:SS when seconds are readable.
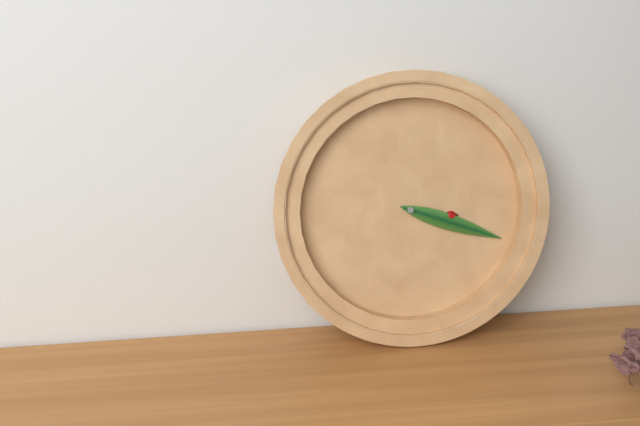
**3:18**
